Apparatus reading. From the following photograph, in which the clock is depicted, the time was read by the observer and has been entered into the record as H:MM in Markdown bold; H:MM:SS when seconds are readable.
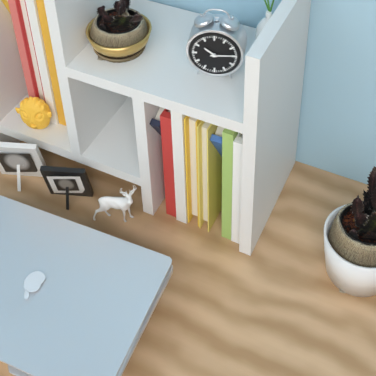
**10:14**
